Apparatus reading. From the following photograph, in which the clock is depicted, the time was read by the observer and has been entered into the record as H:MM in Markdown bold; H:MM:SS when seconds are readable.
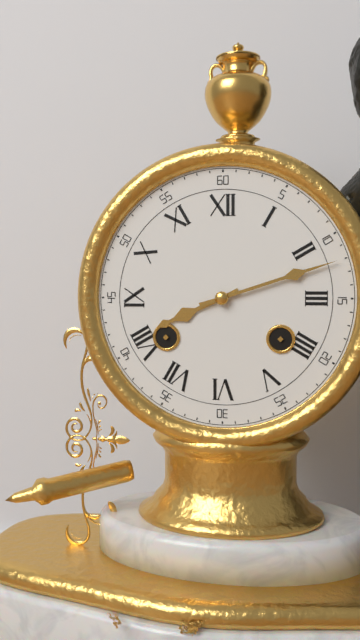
**8:12**
